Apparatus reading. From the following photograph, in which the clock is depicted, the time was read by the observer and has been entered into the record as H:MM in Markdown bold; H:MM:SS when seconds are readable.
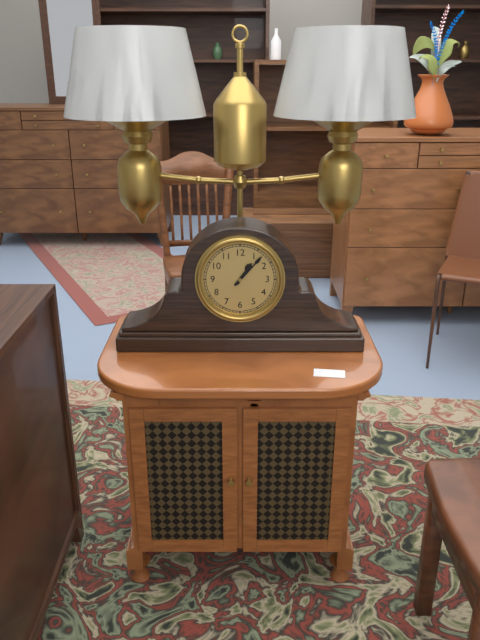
**1:07**
